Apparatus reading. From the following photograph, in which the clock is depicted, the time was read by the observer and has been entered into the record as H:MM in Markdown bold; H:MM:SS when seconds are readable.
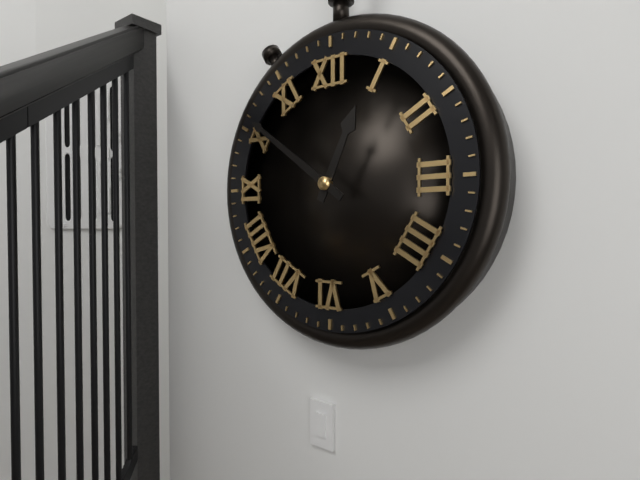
**12:51**
